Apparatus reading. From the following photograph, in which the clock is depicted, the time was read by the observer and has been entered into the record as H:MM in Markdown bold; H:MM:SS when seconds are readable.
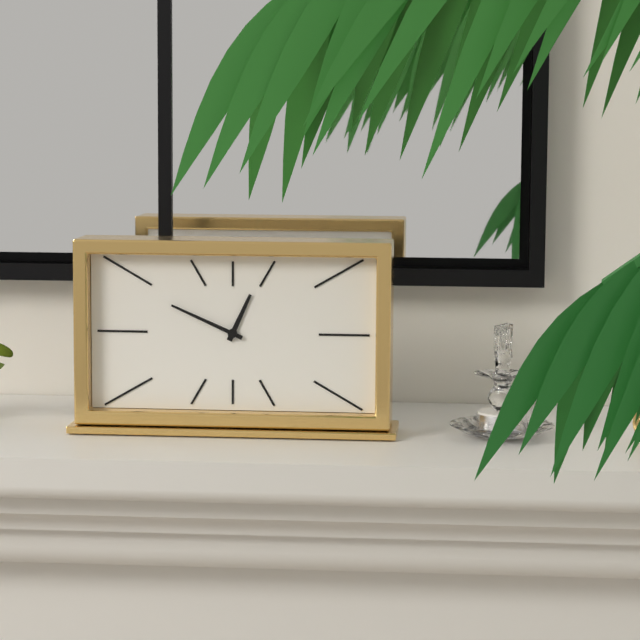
**12:49**
